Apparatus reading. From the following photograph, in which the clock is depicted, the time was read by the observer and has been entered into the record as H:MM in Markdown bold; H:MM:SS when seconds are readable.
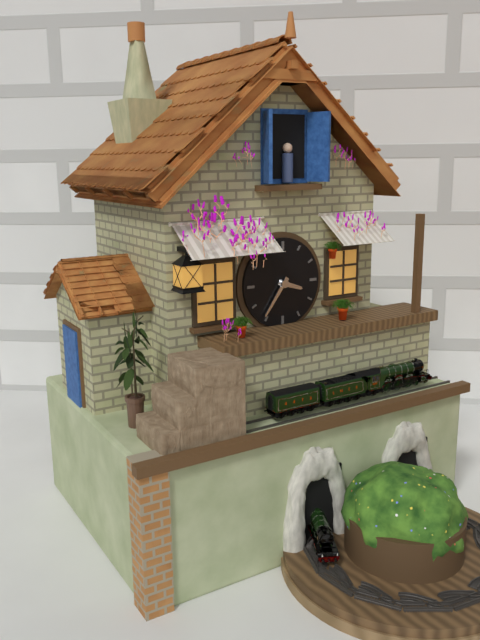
**3:36**
